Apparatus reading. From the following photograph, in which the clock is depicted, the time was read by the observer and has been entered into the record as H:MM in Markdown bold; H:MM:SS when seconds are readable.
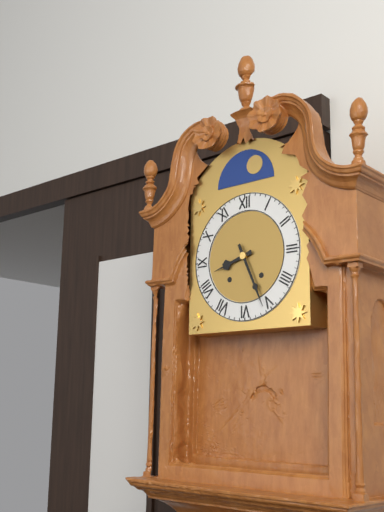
**8:26**
